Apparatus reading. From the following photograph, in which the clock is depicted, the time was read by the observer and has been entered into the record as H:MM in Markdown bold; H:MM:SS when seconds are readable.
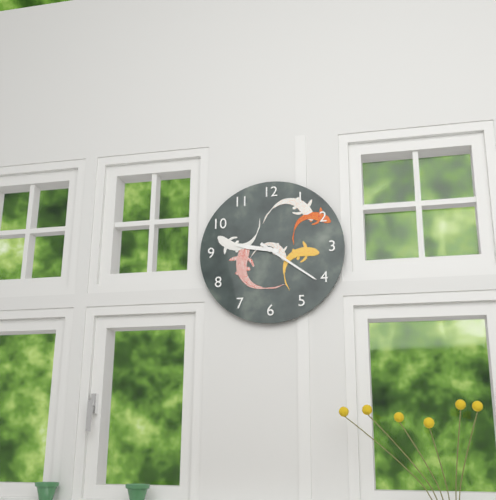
**9:21**
